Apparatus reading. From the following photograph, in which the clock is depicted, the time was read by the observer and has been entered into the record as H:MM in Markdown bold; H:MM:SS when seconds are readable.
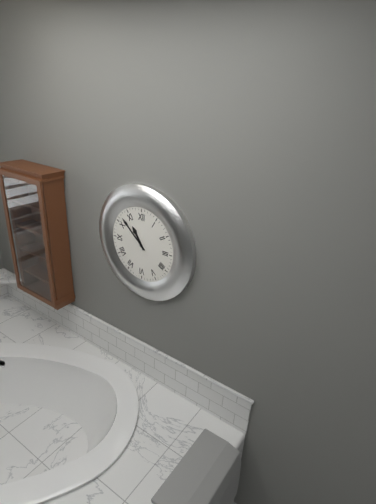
**10:52**
